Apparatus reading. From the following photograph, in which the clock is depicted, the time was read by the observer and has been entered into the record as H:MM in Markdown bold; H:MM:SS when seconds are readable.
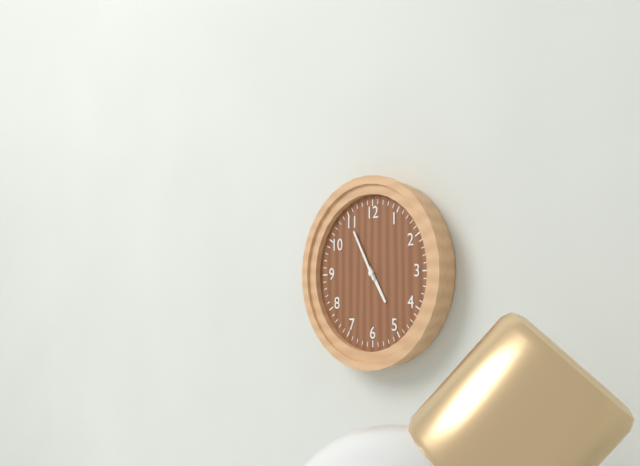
**4:55**
